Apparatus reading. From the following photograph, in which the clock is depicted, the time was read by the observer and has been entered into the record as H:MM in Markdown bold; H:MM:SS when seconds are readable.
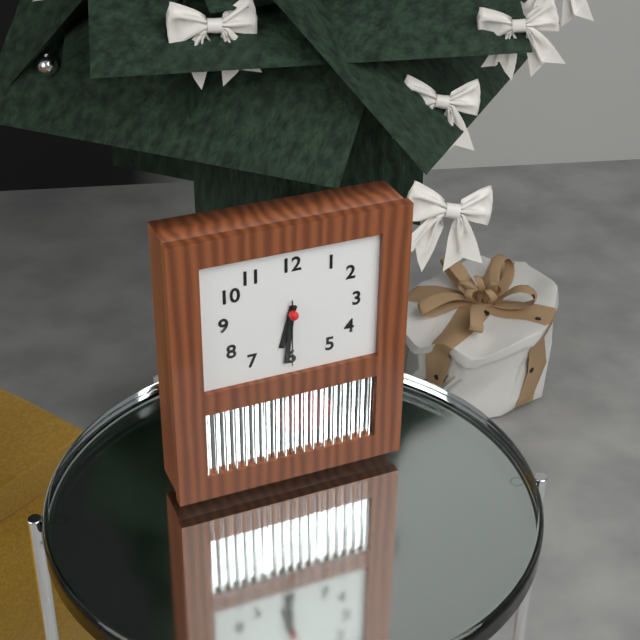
**6:31:30**
